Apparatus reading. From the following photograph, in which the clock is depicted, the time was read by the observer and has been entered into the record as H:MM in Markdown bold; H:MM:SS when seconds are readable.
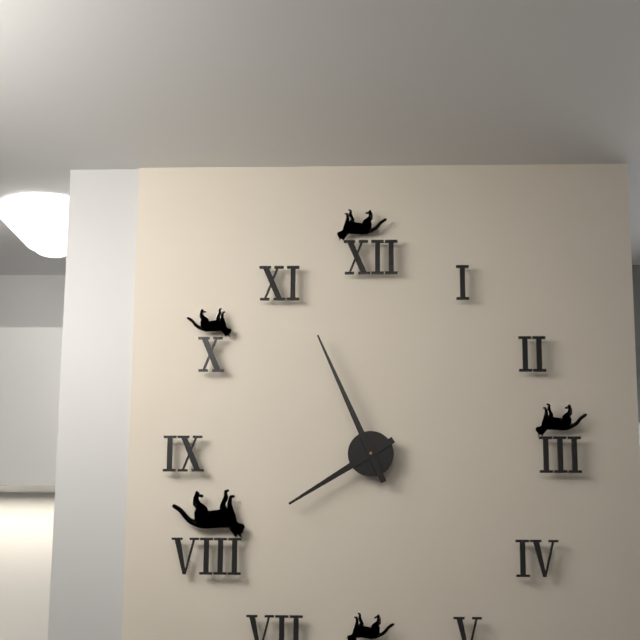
**7:56**
